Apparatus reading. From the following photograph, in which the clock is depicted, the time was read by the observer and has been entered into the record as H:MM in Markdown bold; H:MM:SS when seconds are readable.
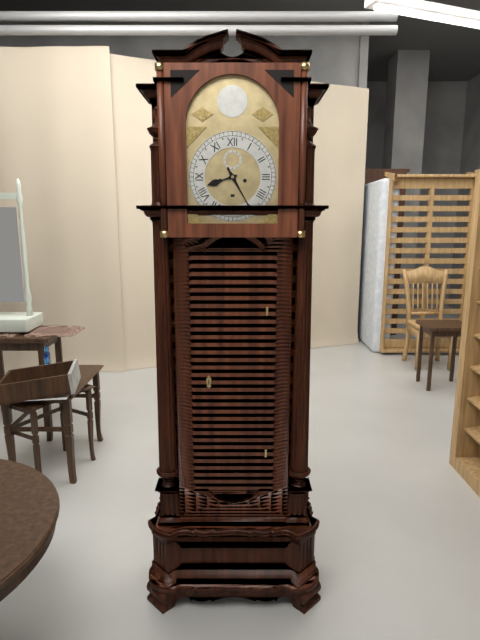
**8:25**
